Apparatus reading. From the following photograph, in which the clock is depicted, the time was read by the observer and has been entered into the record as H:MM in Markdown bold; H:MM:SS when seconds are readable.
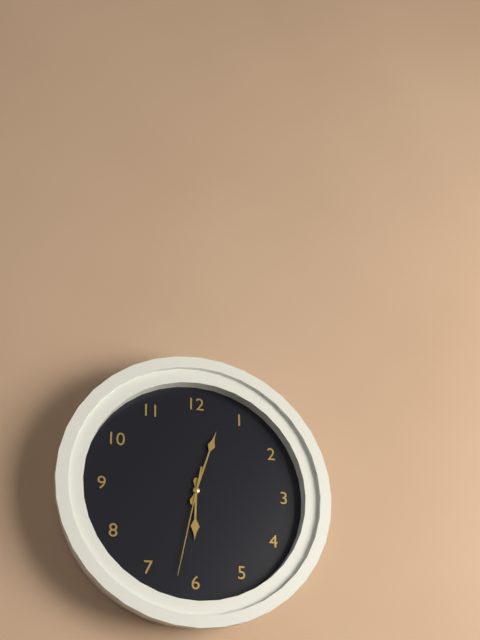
**6:03:32**
